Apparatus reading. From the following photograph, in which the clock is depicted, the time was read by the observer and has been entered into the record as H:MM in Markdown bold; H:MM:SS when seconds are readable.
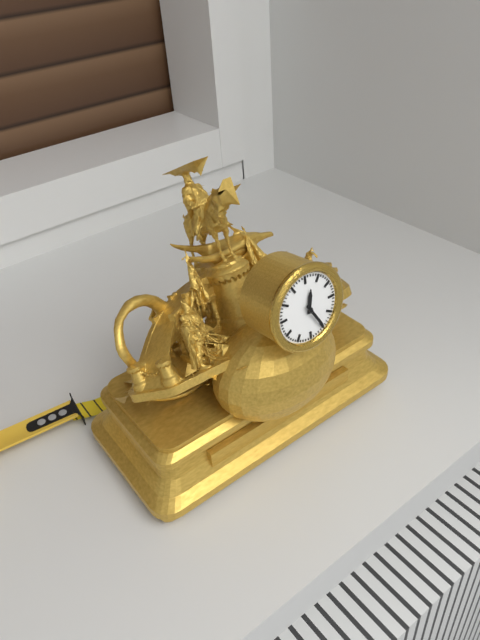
**12:25**
